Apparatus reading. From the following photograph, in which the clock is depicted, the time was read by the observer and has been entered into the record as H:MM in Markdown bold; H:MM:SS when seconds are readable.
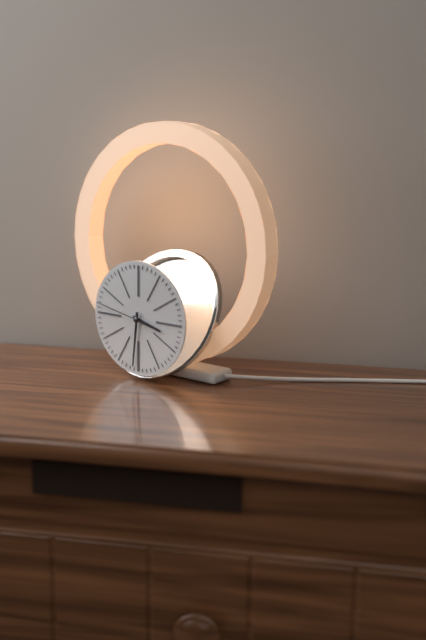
**3:31:47**
